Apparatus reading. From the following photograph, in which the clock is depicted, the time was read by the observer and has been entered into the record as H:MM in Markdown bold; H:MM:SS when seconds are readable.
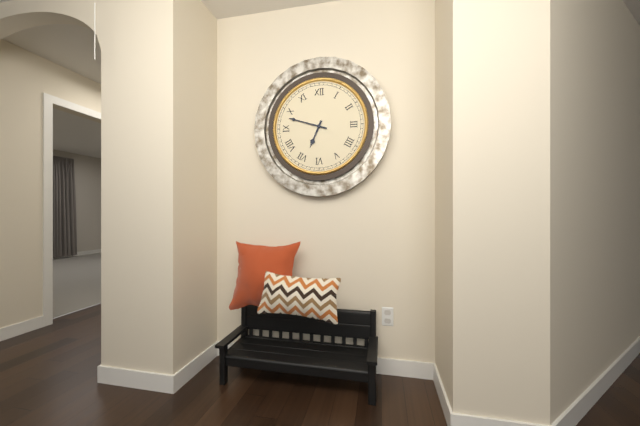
**6:48**
